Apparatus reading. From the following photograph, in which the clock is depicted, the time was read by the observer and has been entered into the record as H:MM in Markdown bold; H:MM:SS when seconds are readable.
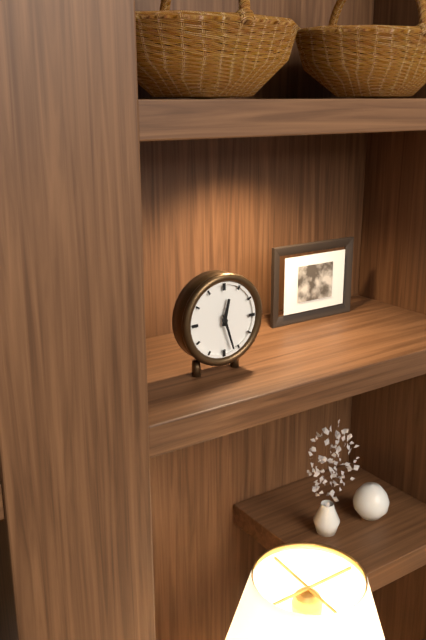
**12:27**
